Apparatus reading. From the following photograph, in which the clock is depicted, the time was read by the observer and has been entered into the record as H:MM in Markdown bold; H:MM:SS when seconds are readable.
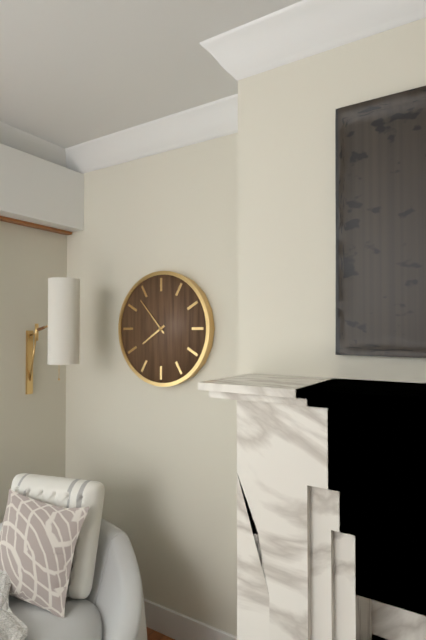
**7:53**
